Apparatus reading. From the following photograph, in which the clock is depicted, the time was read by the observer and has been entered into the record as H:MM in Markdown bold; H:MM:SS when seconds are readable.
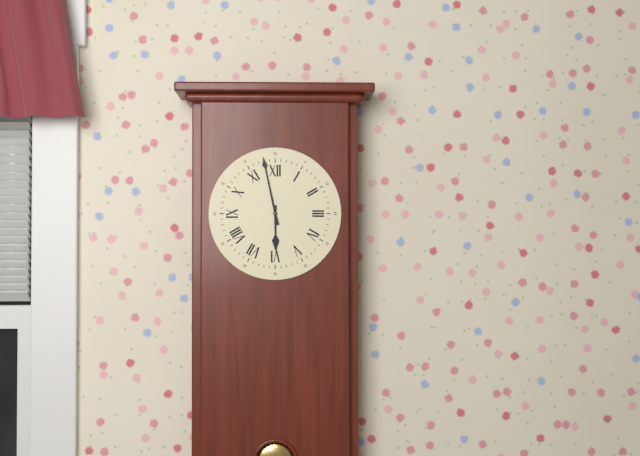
**5:58**
